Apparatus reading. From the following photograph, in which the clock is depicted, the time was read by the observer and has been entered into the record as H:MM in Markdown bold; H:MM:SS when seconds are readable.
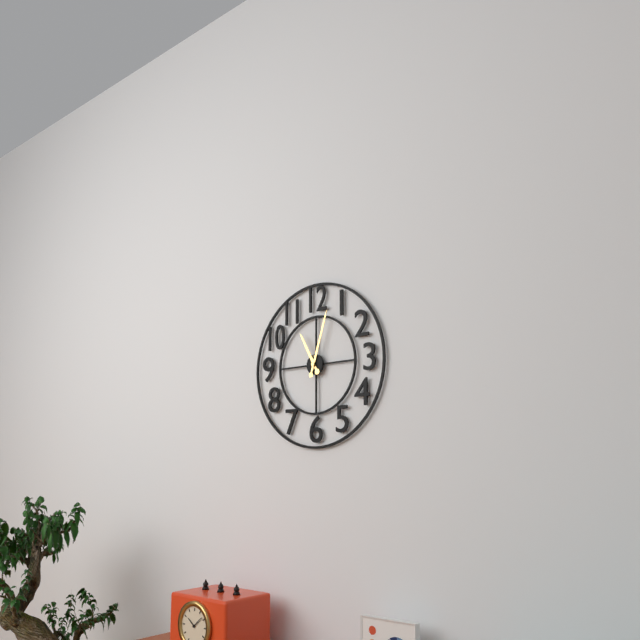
**11:03**
